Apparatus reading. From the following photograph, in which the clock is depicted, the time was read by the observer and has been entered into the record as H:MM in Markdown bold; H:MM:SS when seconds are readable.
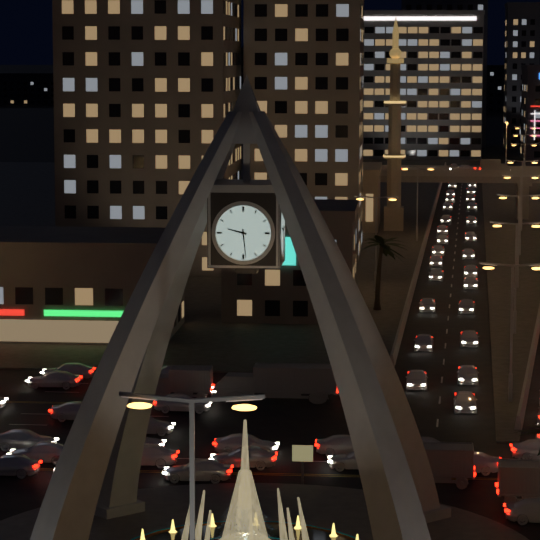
**9:29**
